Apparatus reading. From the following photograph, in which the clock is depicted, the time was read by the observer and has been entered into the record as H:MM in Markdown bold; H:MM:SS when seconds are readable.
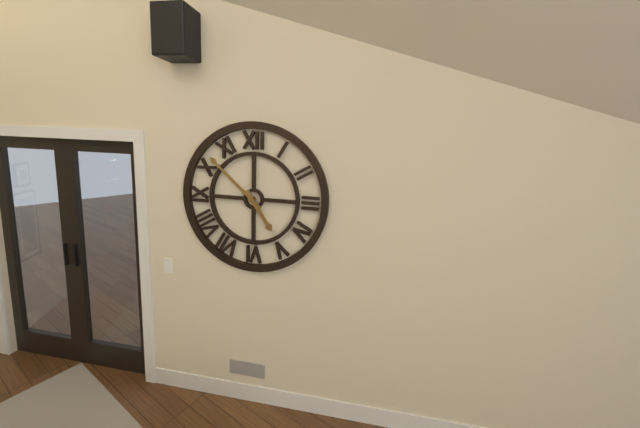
**4:52**
